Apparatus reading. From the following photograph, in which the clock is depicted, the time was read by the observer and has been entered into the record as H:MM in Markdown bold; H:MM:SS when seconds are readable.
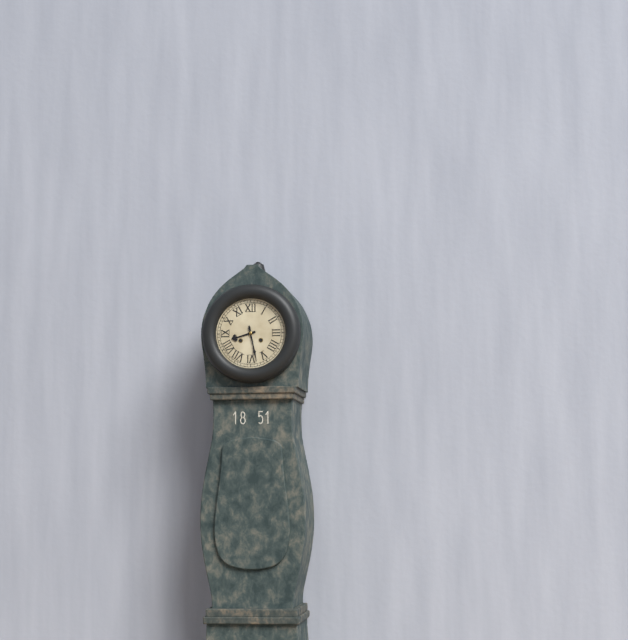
**8:28**
